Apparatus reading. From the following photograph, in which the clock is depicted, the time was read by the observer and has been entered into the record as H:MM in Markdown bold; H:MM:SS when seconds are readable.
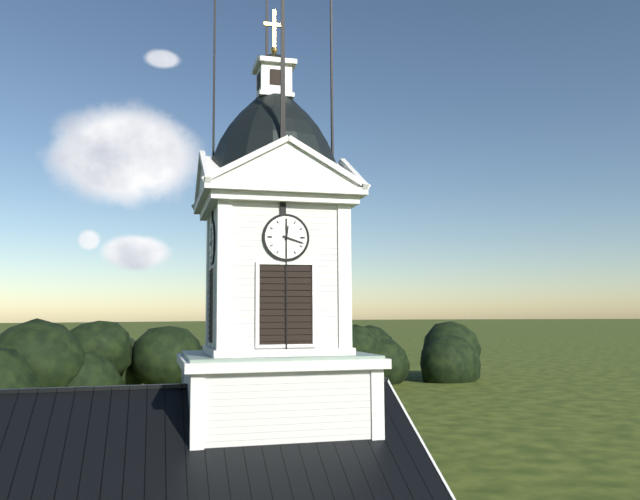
**12:18**
